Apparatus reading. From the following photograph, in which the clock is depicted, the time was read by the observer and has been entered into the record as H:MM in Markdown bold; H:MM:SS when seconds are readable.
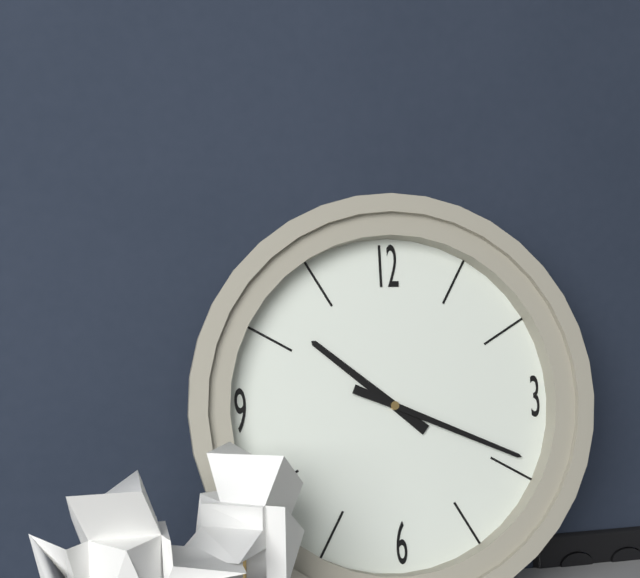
**10:19**
